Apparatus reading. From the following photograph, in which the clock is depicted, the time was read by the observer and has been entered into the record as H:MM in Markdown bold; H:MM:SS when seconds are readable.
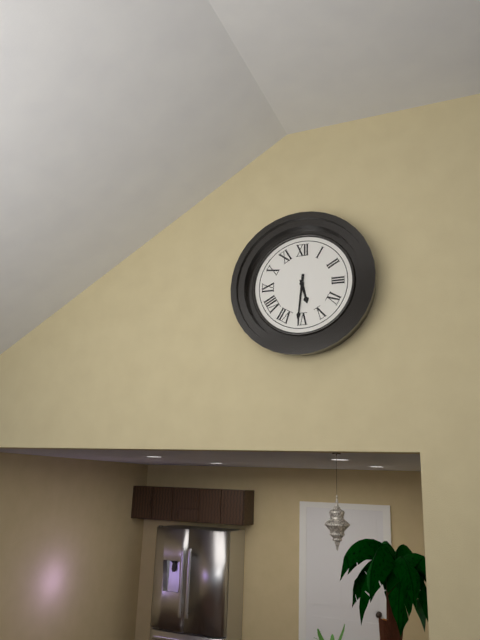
**5:31**
